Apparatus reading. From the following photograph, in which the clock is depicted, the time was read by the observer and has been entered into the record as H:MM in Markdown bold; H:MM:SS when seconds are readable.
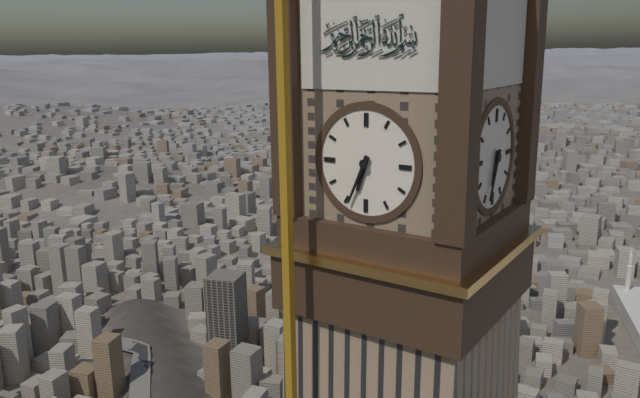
**6:34**
